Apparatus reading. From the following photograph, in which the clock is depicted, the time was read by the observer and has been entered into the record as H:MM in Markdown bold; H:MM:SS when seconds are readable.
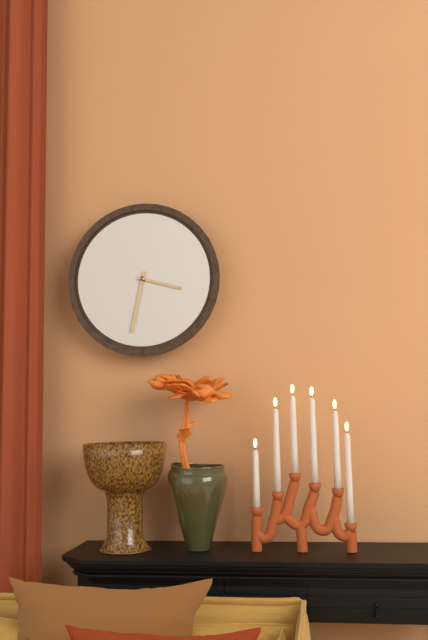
**3:32**
